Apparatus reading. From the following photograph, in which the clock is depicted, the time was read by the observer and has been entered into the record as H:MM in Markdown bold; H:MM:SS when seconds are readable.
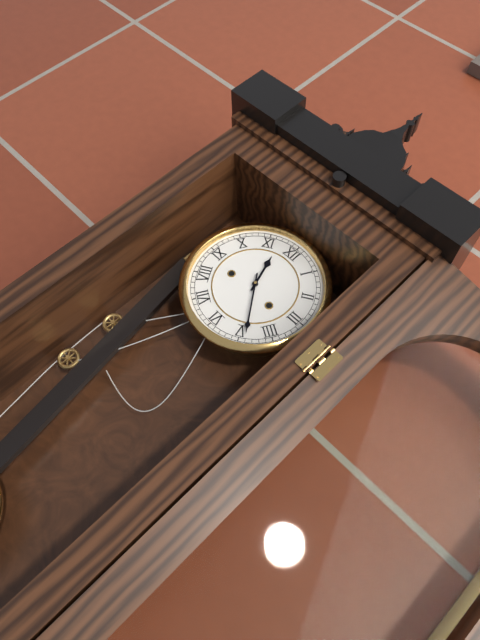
**11:24**
